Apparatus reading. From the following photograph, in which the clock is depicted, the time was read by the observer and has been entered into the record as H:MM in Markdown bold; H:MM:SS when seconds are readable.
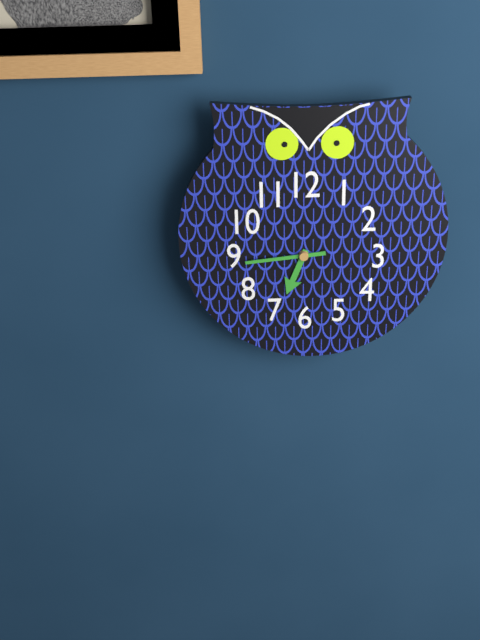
**6:44**
